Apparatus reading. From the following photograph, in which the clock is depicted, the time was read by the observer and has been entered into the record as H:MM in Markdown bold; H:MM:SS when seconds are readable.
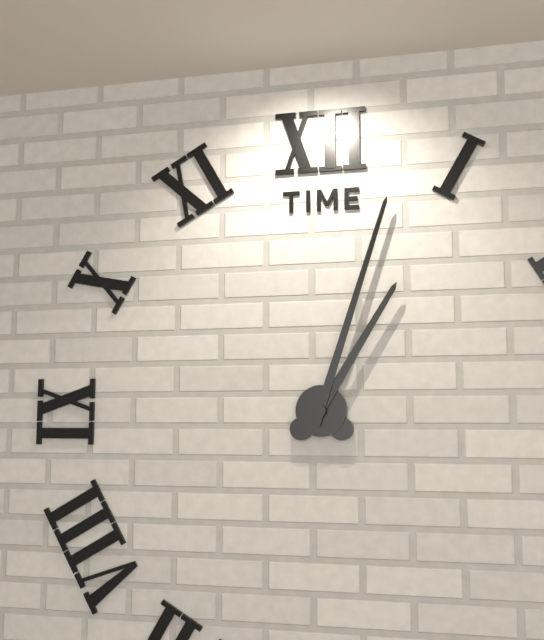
**1:03**
